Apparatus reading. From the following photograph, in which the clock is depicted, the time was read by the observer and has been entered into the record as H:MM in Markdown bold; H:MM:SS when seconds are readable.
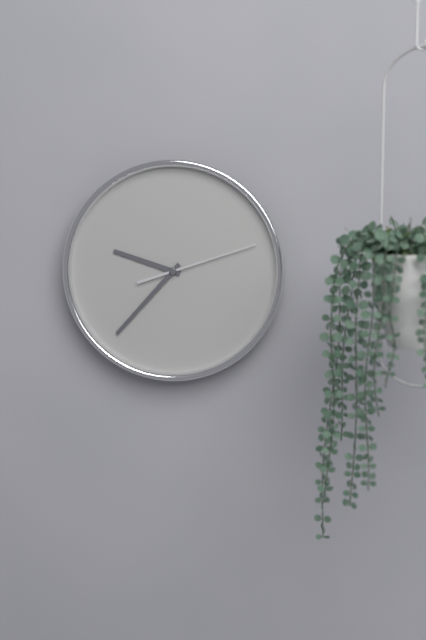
**9:37:12**
